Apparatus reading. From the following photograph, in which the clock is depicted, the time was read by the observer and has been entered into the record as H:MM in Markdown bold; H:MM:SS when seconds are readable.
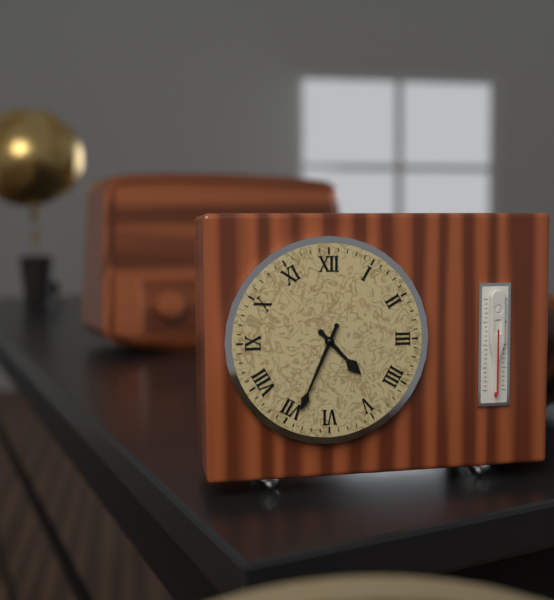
**4:34**
